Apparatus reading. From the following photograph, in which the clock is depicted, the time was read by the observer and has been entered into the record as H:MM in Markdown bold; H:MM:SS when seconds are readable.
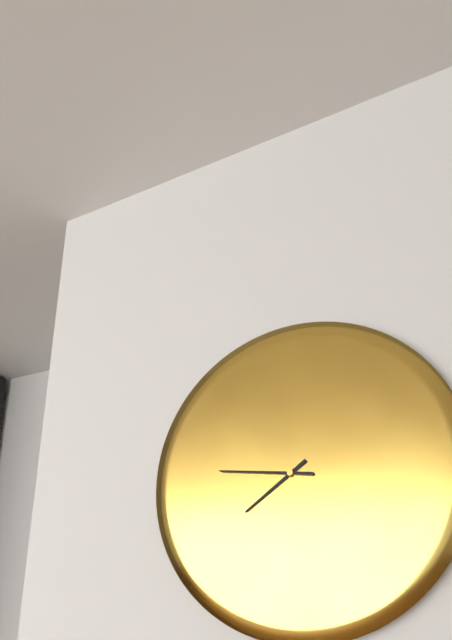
**7:46**
